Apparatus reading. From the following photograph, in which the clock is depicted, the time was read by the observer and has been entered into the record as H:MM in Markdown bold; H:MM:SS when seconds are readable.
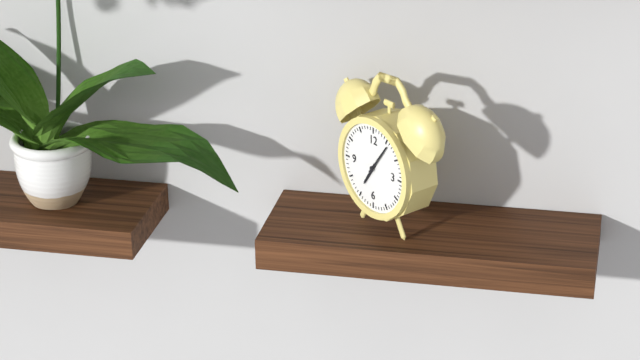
**7:06**
